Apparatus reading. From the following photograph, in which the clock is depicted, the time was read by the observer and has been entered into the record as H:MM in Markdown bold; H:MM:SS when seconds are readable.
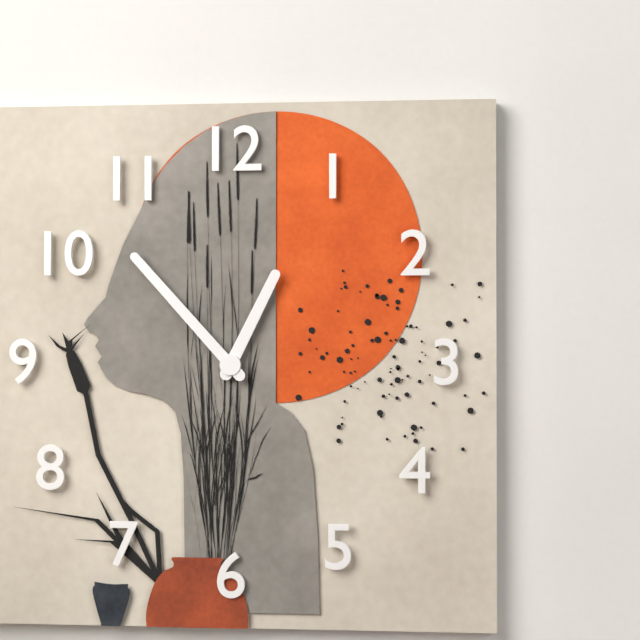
**12:53**
